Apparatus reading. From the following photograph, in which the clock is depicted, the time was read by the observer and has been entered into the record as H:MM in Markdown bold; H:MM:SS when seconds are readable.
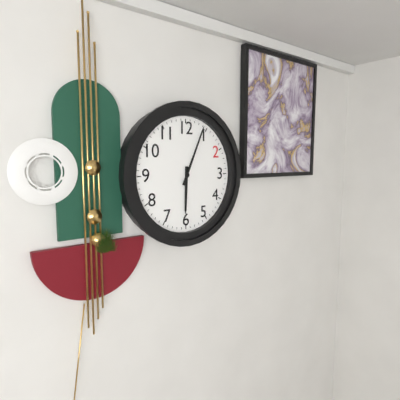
**6:04**
